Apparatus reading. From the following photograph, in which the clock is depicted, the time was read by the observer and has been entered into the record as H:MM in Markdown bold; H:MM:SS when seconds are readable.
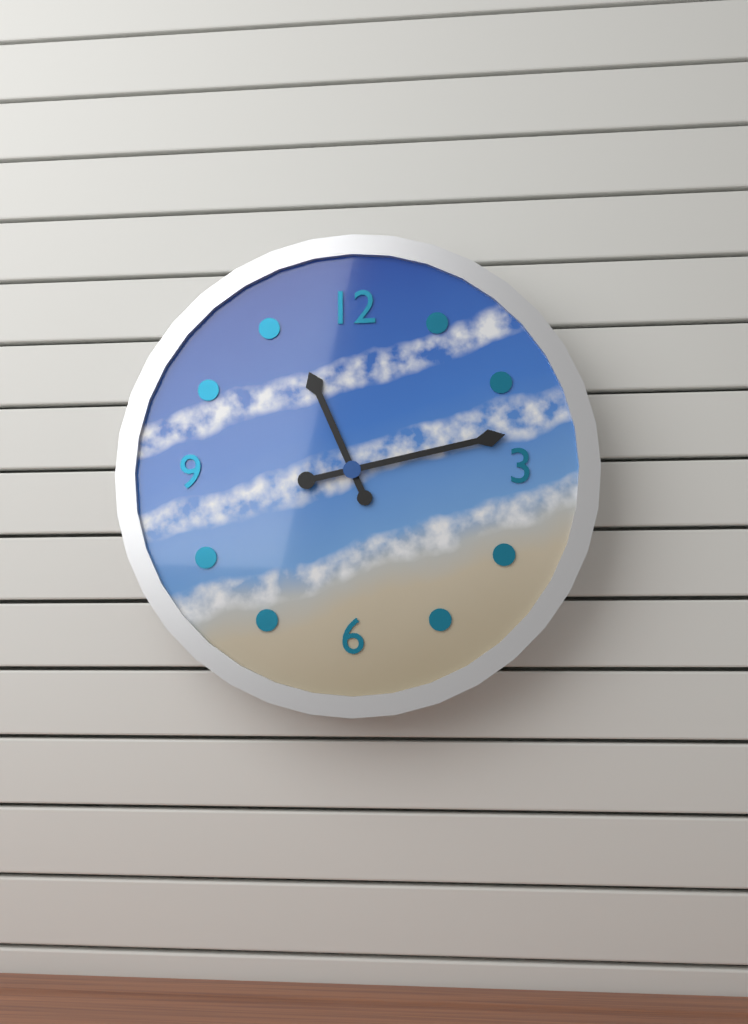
**11:13**
